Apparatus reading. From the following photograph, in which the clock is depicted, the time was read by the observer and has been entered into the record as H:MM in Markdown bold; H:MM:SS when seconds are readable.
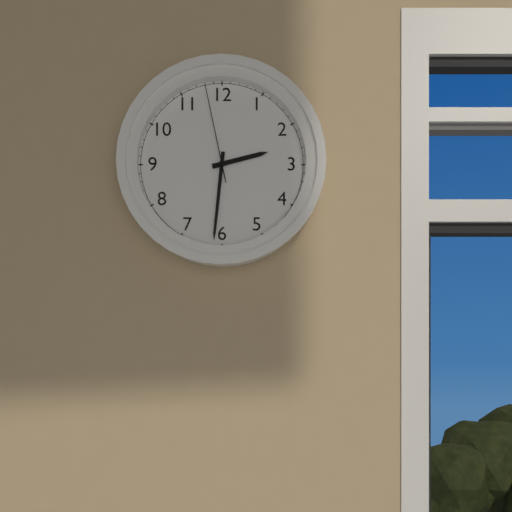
**2:31:58**
